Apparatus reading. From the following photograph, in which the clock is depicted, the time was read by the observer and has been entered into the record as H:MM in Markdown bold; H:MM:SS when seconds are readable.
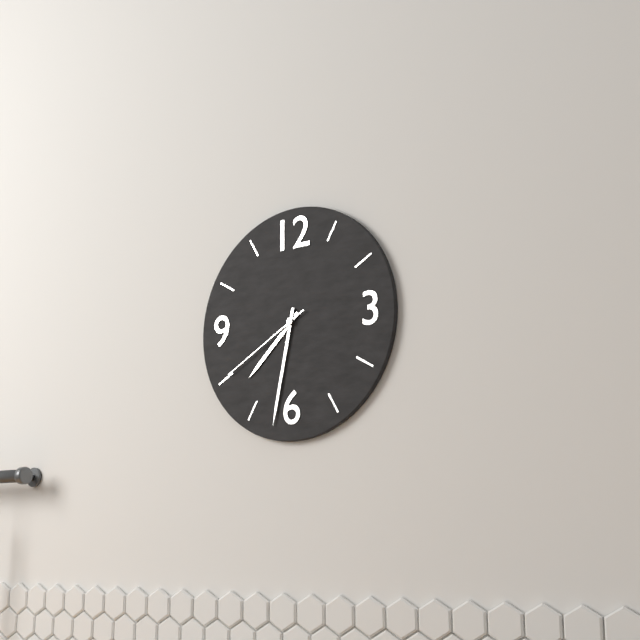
**7:32:40**
